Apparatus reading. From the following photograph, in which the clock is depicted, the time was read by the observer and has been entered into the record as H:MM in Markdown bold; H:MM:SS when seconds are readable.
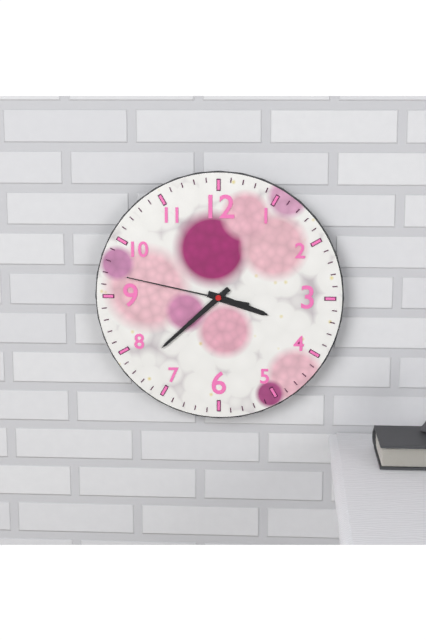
**3:38:47**
